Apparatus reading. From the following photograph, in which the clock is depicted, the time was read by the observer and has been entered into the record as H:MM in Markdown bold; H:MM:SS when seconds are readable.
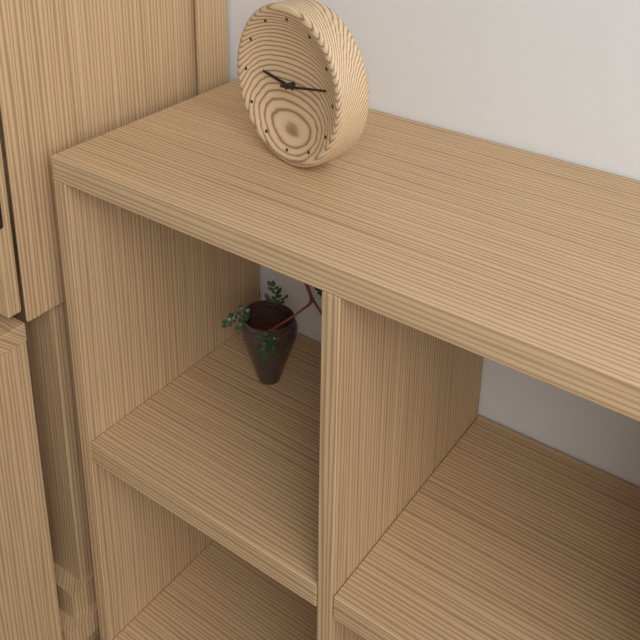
**9:13**
